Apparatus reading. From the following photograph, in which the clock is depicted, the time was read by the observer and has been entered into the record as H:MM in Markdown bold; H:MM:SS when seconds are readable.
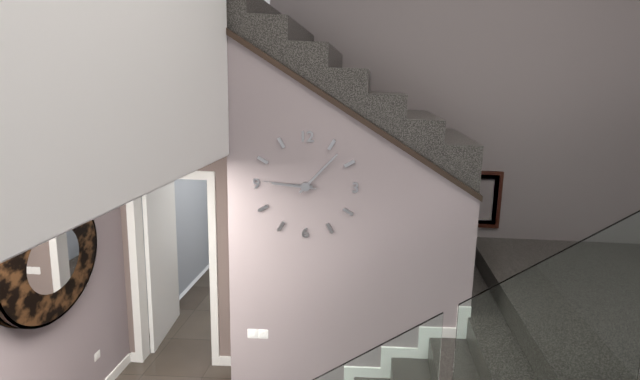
**9:07:46**
